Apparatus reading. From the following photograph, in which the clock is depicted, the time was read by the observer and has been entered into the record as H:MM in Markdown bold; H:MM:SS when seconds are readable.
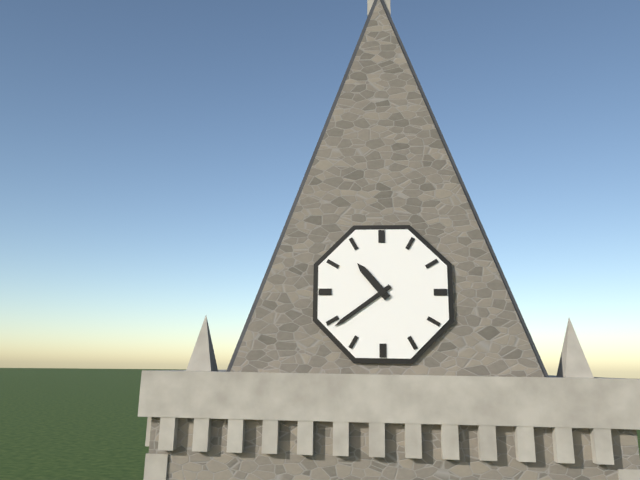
**10:39**
